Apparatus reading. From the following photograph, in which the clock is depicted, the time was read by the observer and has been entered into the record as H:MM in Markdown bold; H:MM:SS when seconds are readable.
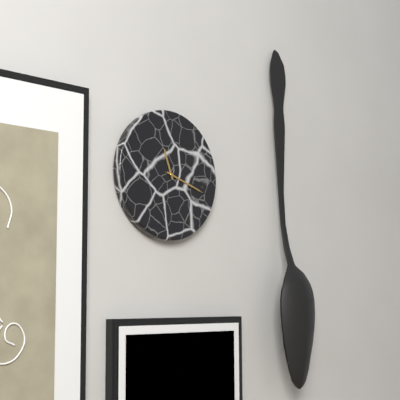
**11:18**
